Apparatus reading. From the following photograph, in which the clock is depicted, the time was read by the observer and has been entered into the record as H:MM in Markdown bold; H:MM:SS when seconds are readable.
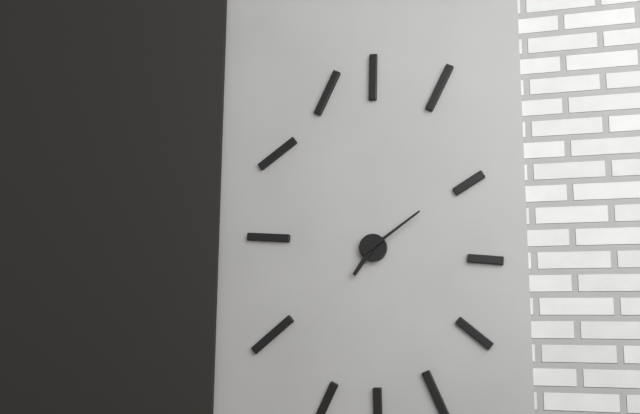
**7:09**
